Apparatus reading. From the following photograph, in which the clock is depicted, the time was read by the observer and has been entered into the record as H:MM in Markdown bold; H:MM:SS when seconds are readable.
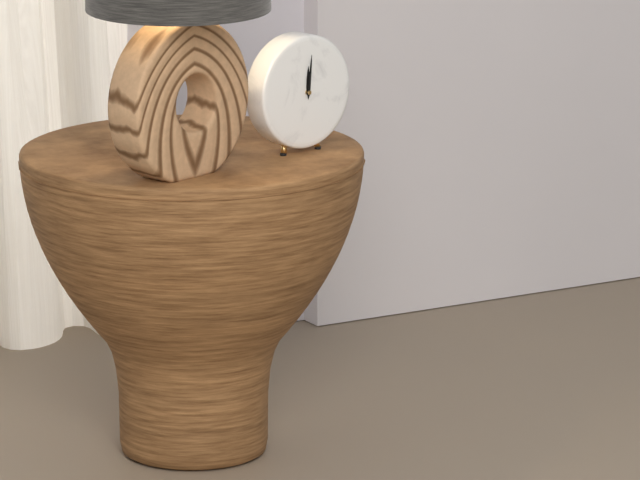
**12:01**
